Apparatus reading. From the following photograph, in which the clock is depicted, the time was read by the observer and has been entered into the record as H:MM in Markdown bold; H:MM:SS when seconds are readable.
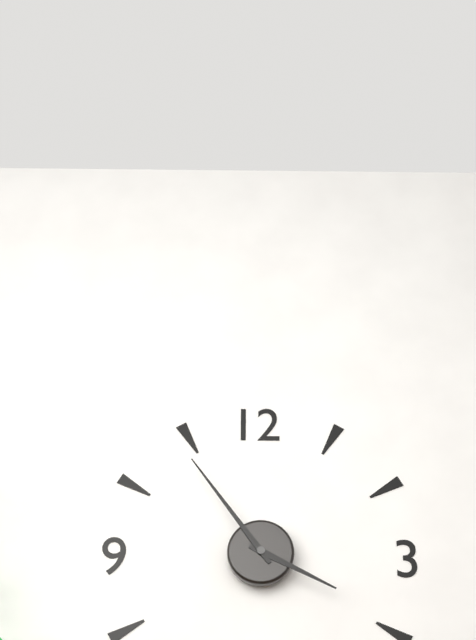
**3:54**
